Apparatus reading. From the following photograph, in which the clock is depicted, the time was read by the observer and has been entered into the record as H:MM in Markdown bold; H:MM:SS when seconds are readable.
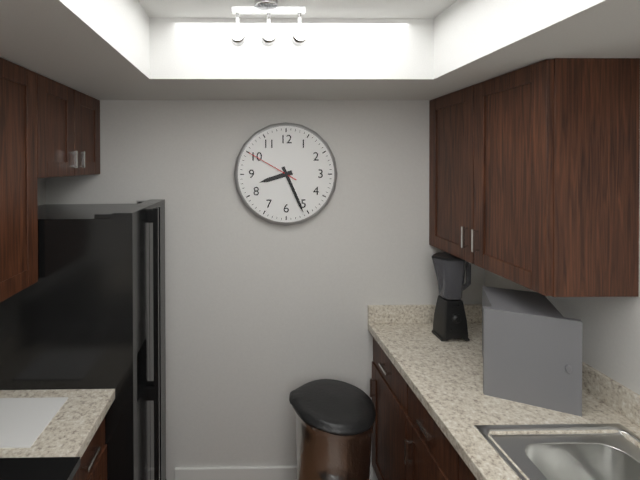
**8:26:50**
